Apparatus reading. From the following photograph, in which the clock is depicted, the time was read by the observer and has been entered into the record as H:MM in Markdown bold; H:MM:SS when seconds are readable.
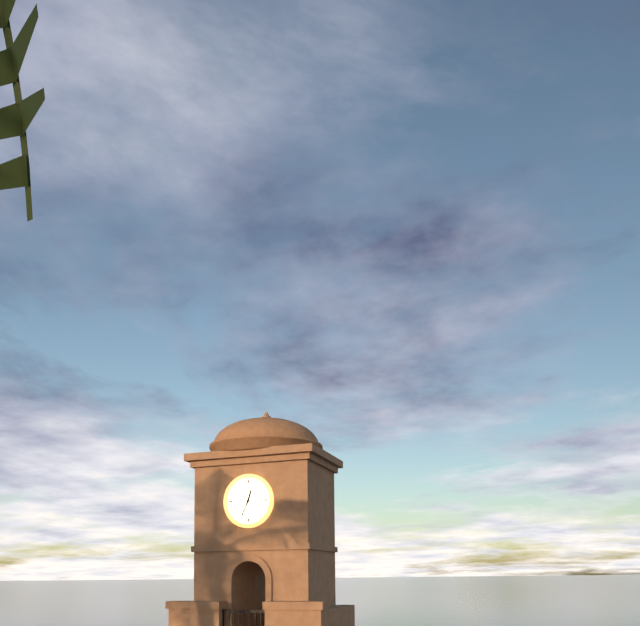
**12:34**
